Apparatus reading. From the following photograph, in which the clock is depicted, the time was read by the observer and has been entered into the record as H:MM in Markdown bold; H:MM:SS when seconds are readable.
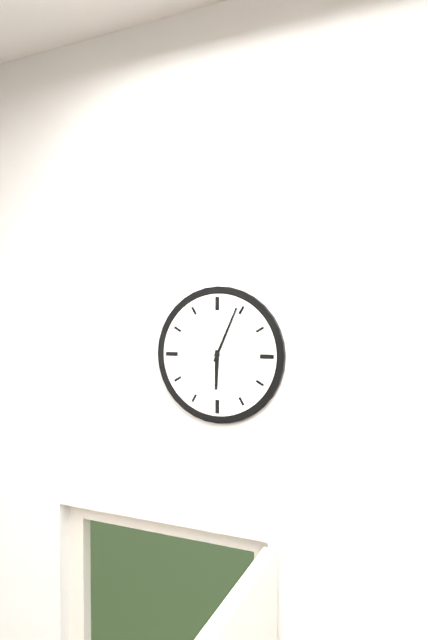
**6:04**
